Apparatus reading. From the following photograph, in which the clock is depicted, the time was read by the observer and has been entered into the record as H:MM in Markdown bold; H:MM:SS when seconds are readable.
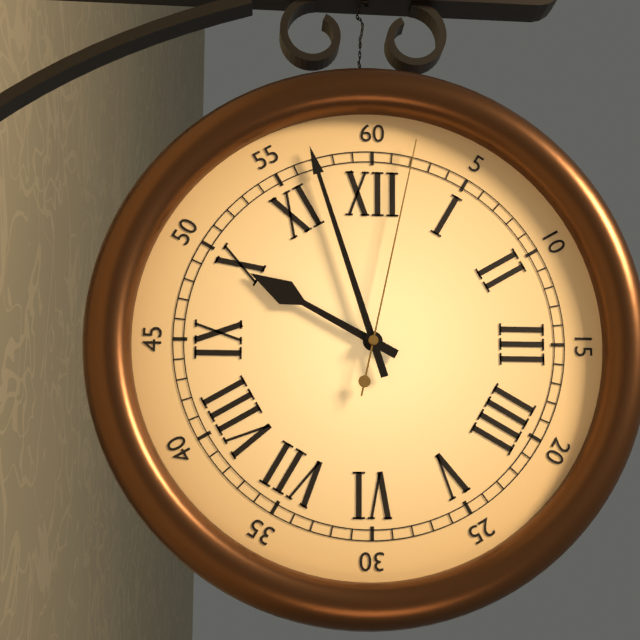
**9:57:02**
